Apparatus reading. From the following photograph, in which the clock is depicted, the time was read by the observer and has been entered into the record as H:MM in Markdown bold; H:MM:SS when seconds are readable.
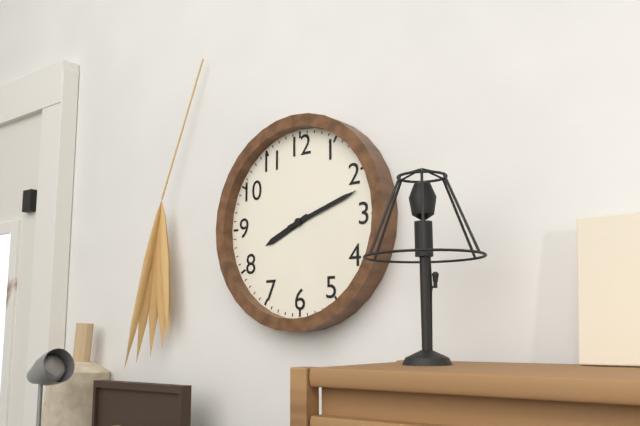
**8:12**
